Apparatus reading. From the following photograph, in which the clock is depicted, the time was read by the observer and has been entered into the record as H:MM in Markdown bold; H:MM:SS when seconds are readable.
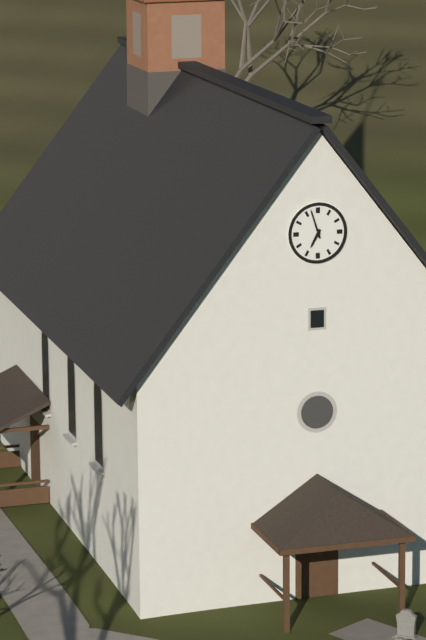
**6:57**
